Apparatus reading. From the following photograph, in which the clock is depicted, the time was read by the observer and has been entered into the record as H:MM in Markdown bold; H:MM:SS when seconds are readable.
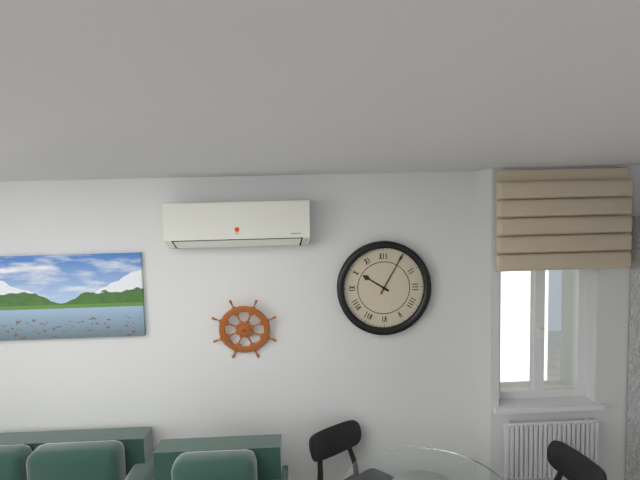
**10:05**
